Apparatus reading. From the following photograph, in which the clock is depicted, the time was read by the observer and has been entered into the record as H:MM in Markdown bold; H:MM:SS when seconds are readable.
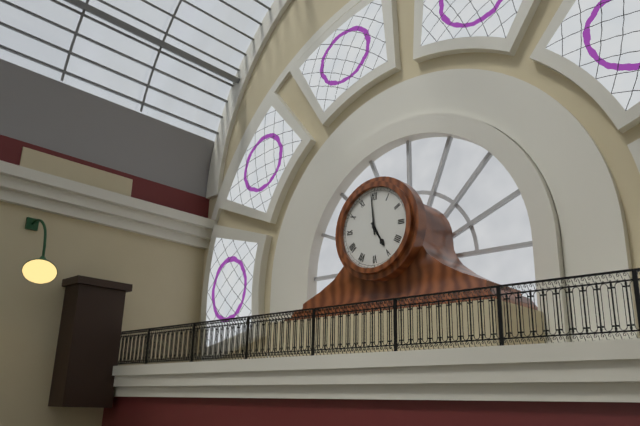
**4:59**
